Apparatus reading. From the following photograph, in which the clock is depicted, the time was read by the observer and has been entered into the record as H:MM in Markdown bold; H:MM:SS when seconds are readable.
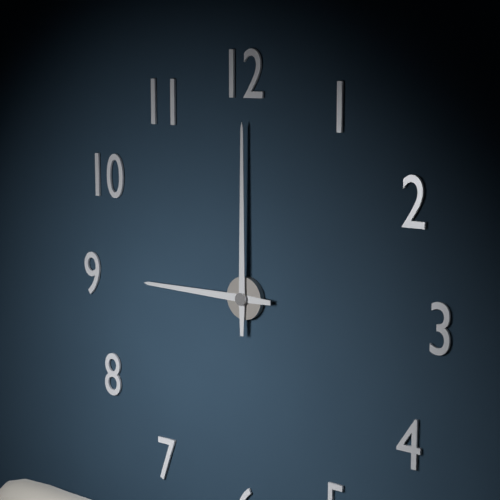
**9:00**
